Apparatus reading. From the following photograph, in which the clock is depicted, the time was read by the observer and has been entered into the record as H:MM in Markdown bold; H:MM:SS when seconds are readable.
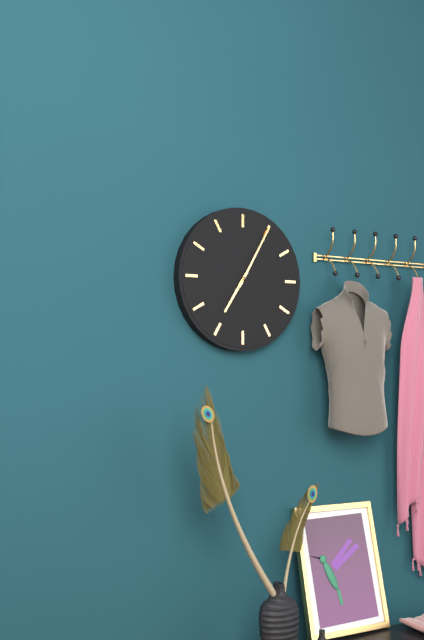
**7:05**
